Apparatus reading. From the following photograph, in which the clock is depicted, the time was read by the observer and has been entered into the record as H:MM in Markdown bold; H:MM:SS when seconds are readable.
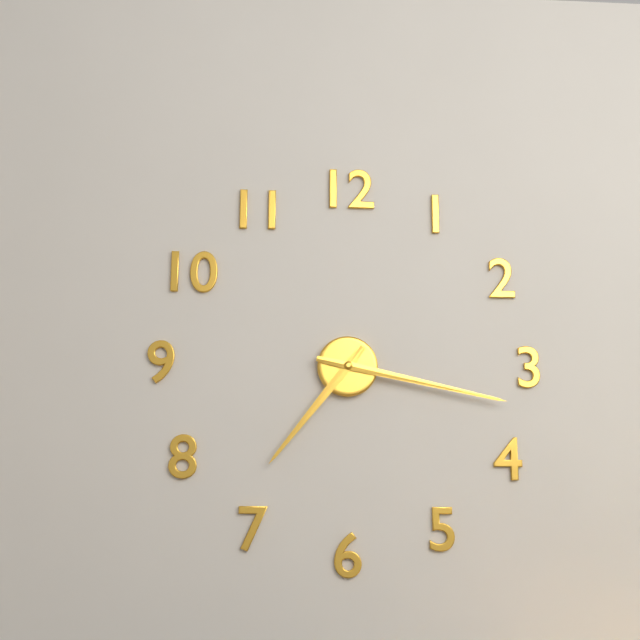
**7:17**
